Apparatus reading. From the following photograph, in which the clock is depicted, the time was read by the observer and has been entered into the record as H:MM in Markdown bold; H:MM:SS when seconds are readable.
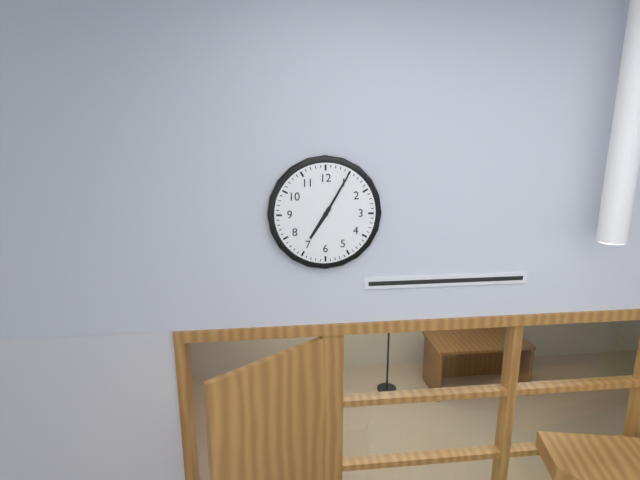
**7:05**
